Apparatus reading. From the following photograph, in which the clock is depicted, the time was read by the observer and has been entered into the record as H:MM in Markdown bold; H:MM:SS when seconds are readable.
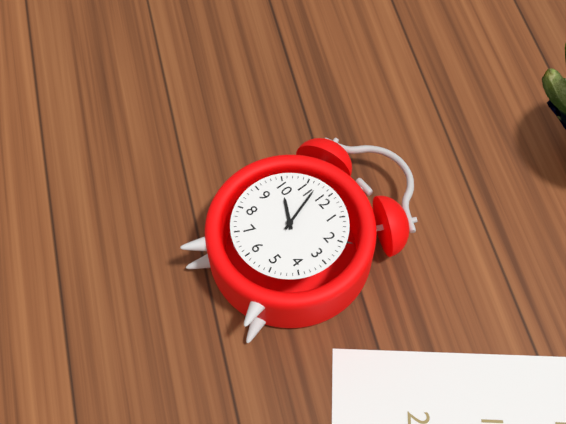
**9:57**
